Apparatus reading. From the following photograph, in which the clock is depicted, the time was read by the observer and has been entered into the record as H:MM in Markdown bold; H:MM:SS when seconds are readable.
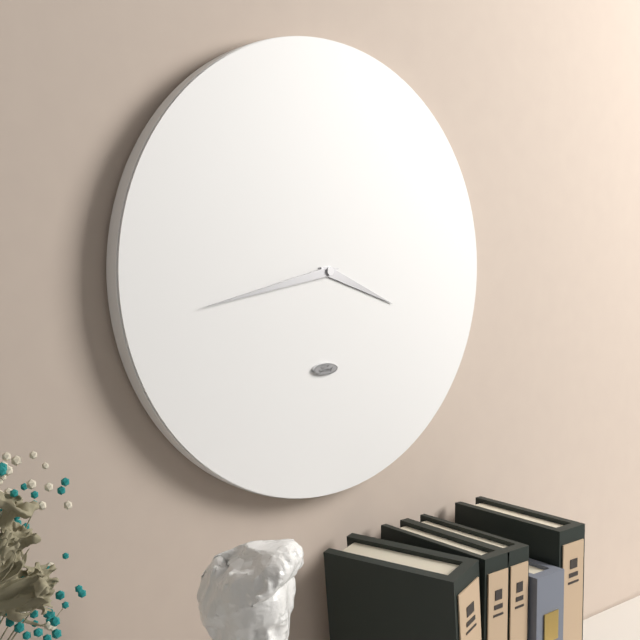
**3:43**
